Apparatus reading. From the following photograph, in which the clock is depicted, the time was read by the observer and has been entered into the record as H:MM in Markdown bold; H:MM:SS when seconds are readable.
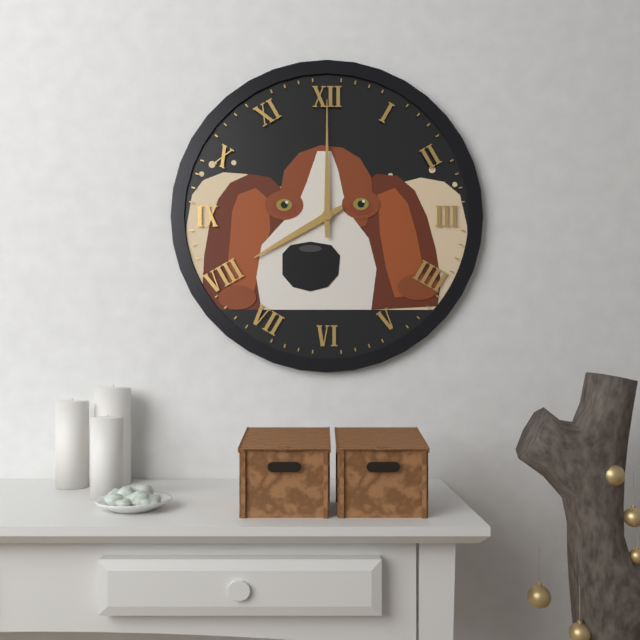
**8:00**
